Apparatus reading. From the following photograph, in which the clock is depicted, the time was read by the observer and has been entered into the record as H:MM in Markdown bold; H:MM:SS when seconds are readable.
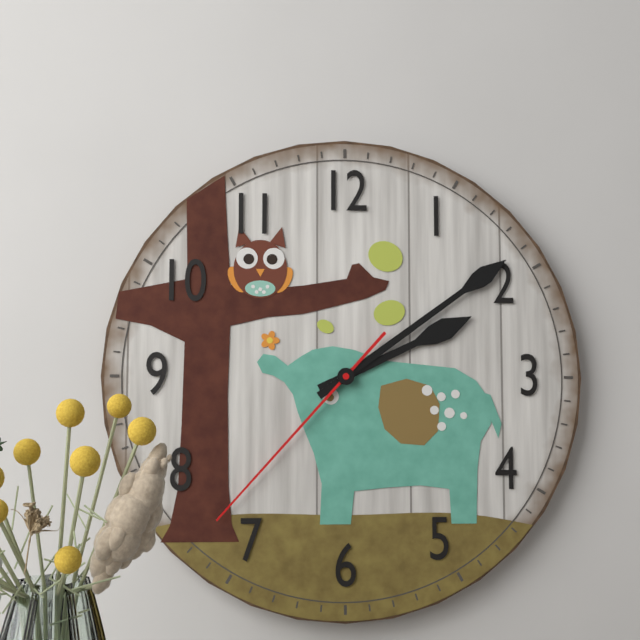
**2:09:37**
